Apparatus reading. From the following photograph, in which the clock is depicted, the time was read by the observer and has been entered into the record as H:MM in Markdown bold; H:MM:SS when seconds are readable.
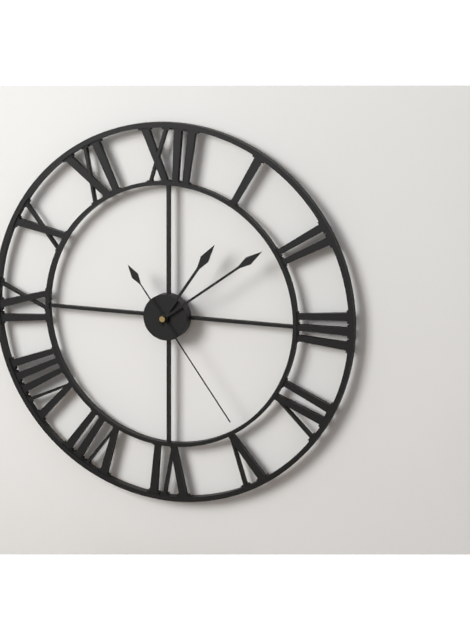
**1:09:24**
